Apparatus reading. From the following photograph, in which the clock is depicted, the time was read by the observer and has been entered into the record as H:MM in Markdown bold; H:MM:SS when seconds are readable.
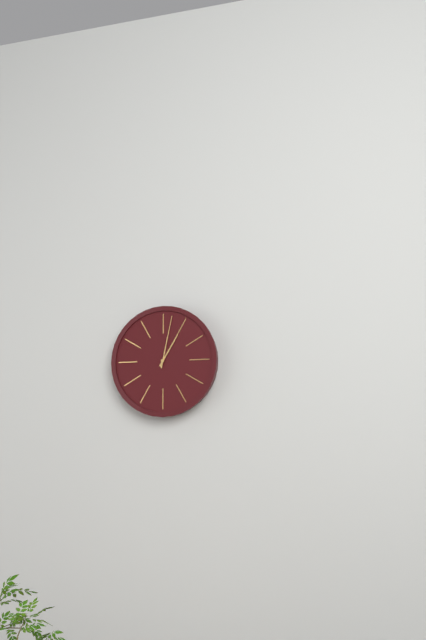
**1:02**
